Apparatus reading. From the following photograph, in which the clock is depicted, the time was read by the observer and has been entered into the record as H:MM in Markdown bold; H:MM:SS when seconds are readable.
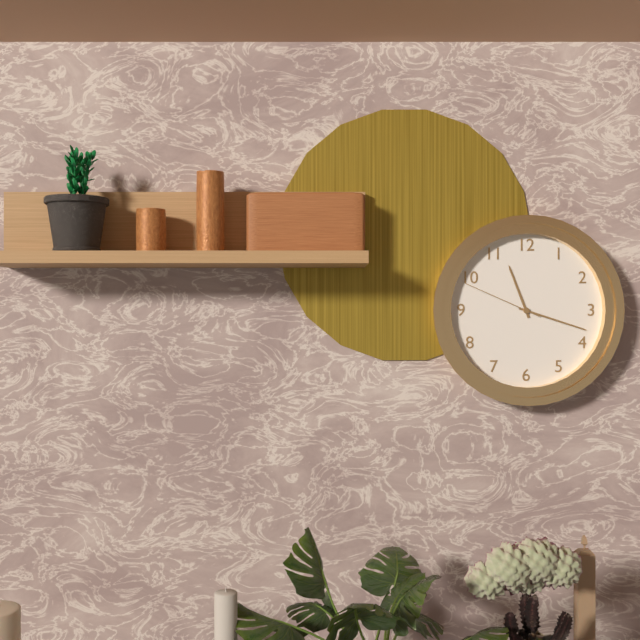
**11:18:49**
